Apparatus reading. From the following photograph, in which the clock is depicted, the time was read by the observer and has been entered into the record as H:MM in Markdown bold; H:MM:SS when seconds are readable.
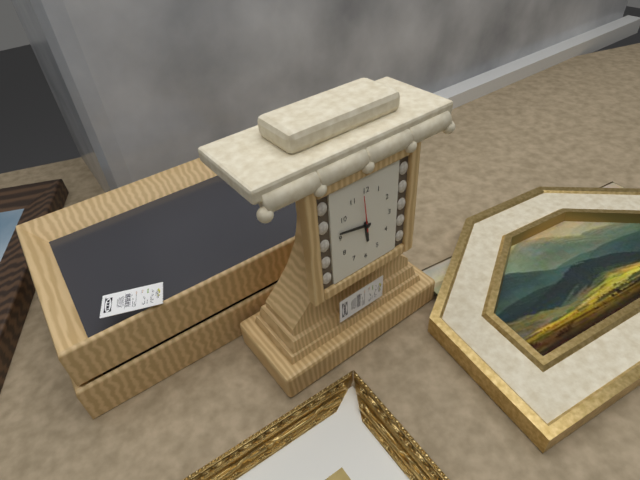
**5:47**
